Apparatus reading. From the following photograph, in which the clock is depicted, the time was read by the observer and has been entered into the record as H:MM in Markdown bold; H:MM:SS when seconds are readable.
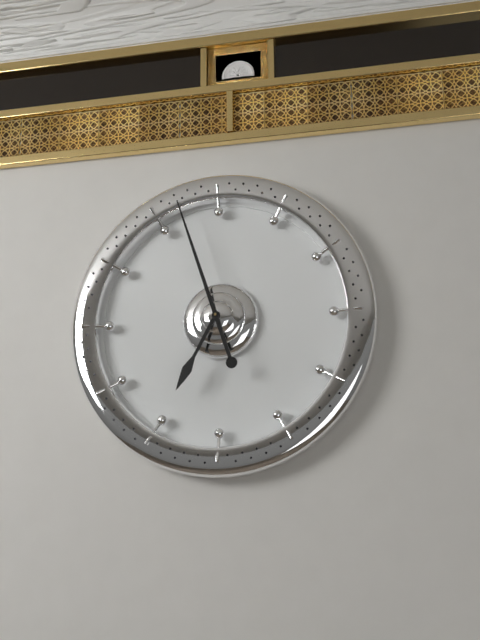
**6:57**
